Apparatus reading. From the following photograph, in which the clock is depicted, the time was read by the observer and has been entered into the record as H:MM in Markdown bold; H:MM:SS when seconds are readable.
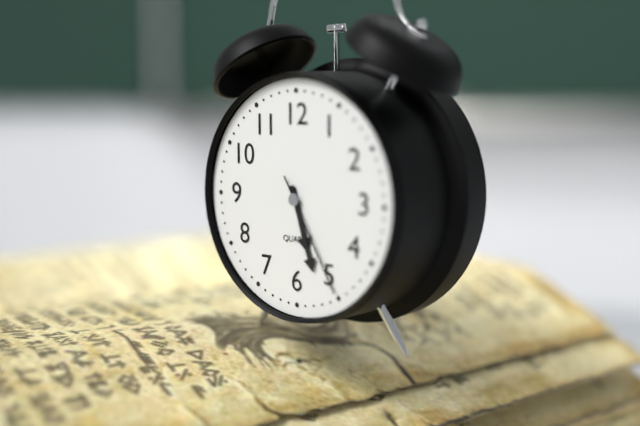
**5:27:25**
